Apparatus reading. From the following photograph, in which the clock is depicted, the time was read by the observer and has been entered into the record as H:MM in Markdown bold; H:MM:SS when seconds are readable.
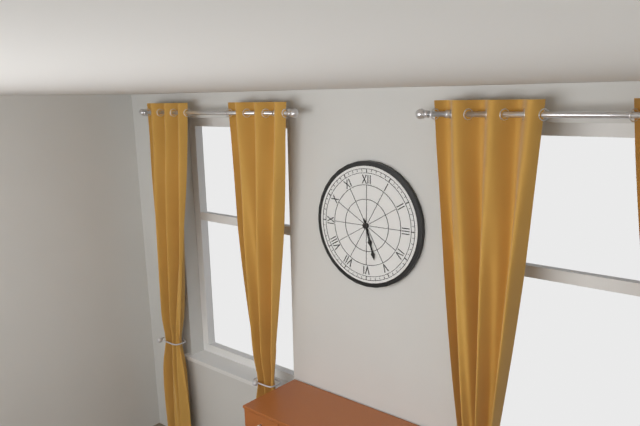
**5:27**
